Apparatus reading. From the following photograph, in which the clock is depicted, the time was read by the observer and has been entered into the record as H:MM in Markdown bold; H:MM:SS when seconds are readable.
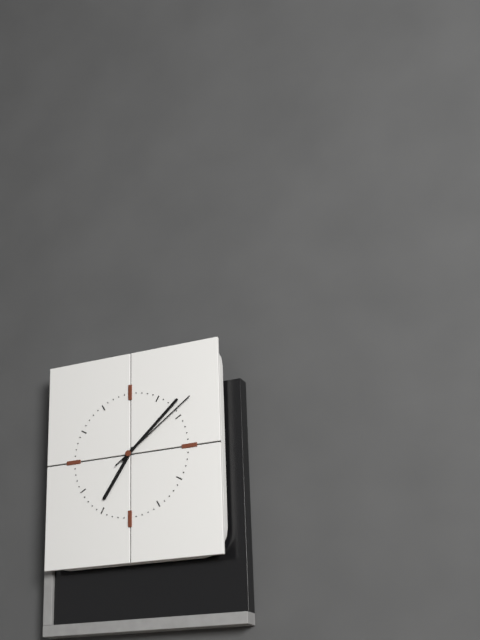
**7:08:09**
